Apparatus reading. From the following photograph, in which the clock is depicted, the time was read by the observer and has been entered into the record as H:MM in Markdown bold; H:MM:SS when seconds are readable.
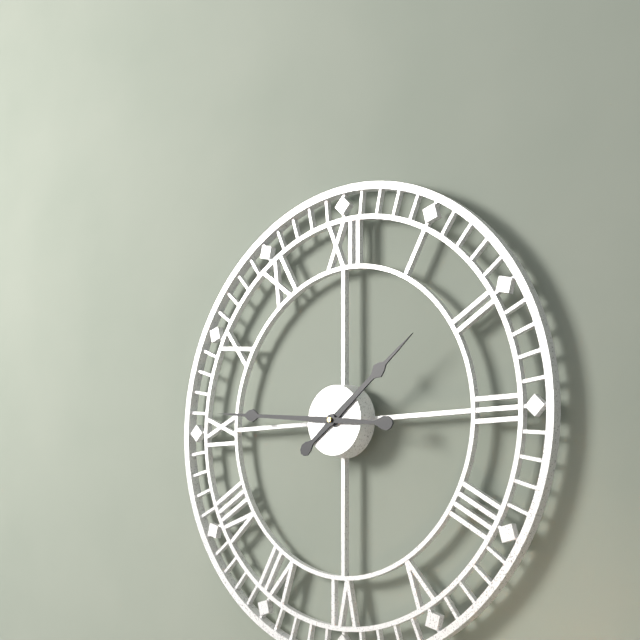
**1:46**
